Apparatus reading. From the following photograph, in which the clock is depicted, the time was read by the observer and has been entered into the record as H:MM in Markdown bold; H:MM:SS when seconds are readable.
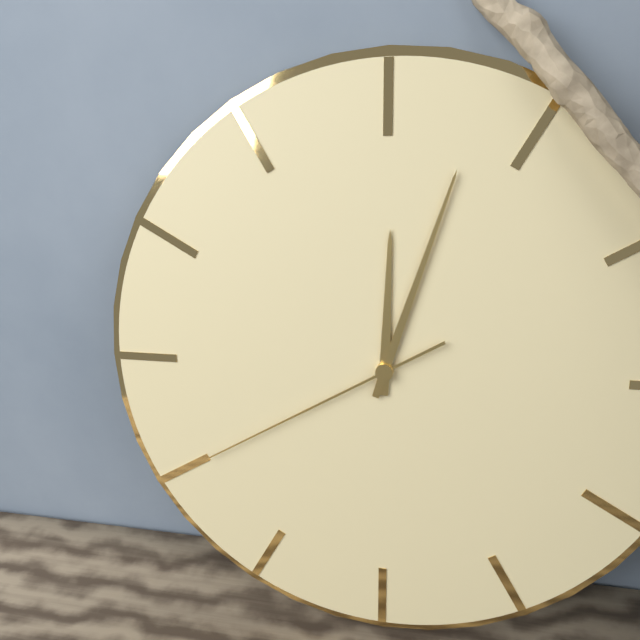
**12:03:40**
